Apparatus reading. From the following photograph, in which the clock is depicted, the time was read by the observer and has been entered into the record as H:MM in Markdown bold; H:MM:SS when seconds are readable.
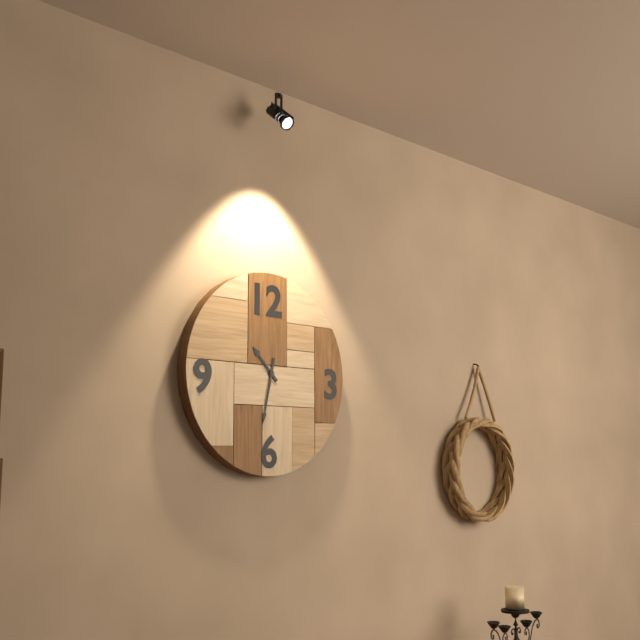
**10:32**
